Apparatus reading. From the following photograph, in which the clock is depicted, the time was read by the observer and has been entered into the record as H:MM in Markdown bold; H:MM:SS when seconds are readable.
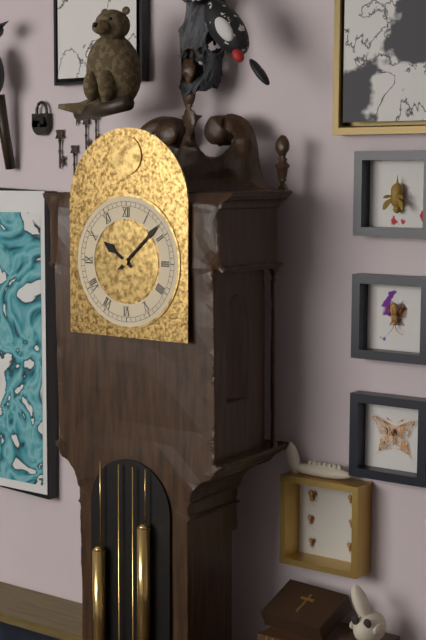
**10:08**
